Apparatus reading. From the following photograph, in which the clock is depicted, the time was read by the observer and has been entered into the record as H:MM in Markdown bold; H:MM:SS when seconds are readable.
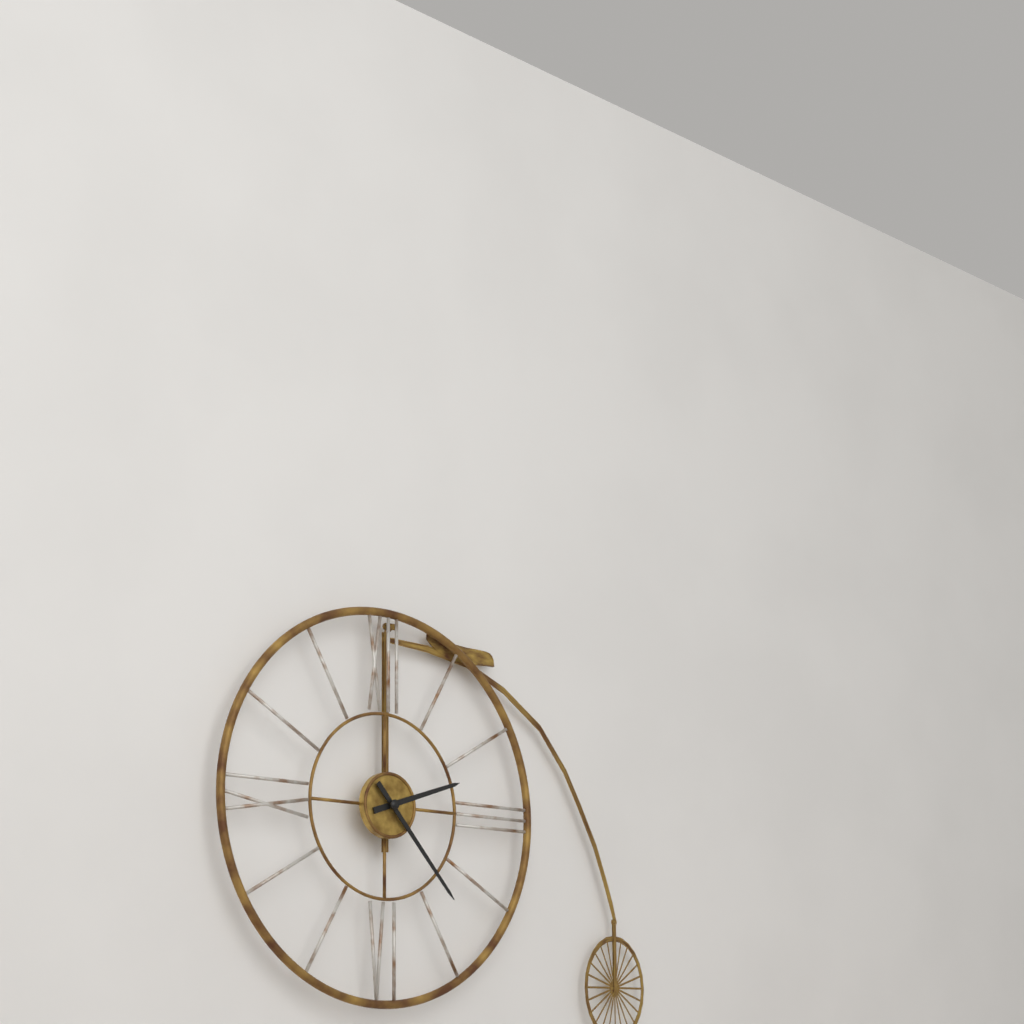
**2:23**
